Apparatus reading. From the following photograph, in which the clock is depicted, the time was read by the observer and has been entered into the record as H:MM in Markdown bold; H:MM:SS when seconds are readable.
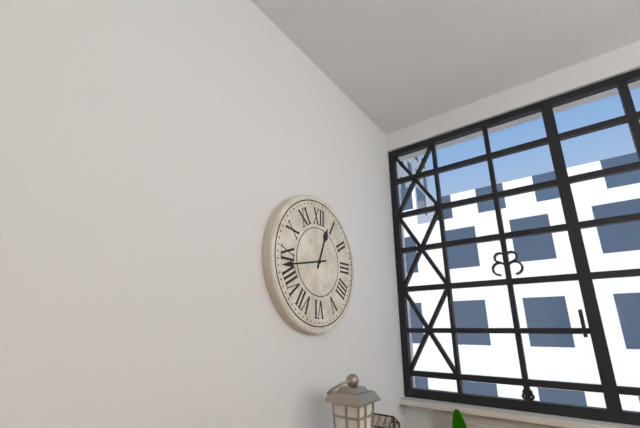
**12:43**
